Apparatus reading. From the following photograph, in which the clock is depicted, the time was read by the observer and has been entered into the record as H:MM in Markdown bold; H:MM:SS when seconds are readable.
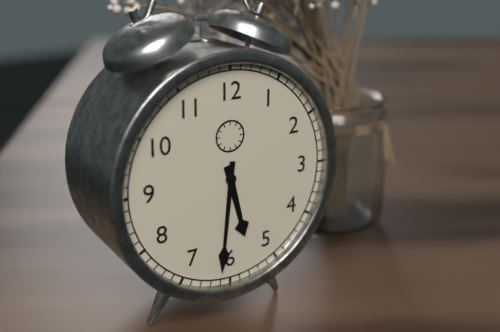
**5:31**
